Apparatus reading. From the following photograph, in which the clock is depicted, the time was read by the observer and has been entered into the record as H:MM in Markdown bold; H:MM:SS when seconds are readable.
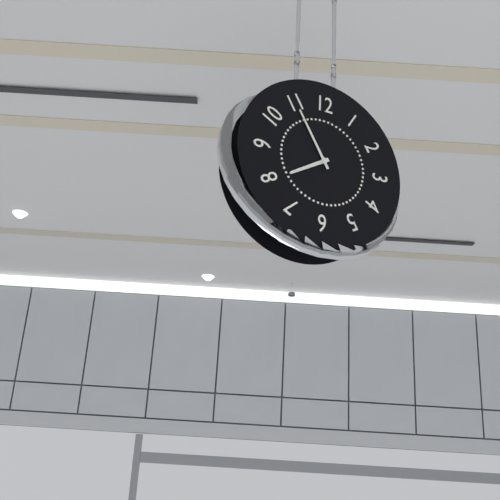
**7:55**
